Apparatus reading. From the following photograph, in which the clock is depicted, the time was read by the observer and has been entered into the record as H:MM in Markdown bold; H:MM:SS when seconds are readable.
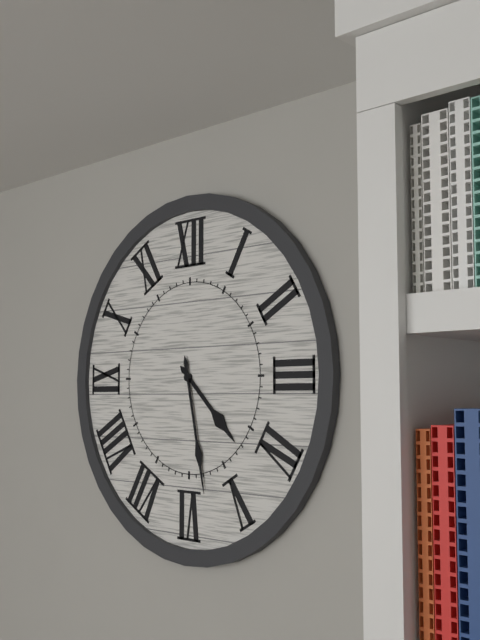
**4:28**
